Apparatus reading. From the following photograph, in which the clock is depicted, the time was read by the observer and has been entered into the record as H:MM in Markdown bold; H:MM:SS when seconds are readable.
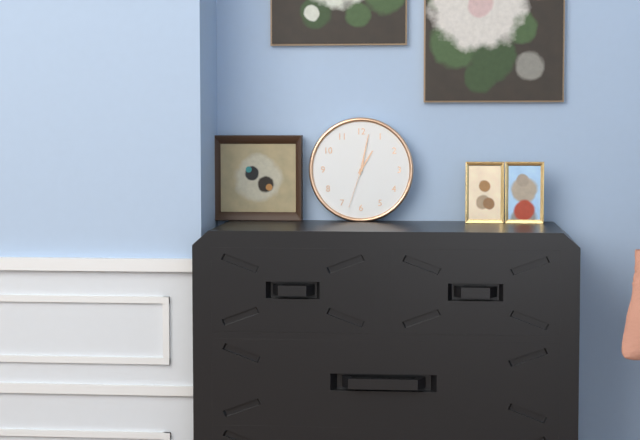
**1:02**
